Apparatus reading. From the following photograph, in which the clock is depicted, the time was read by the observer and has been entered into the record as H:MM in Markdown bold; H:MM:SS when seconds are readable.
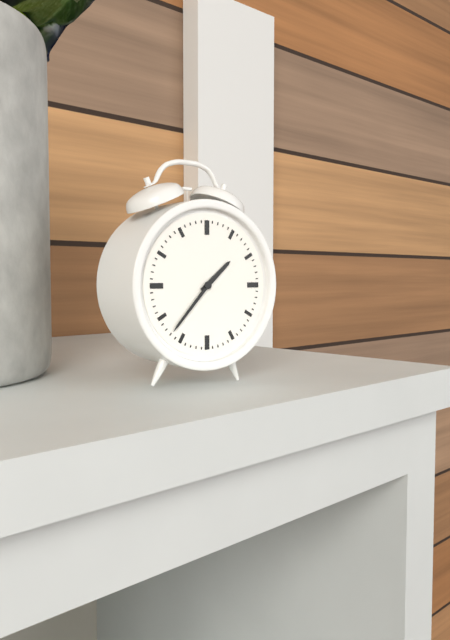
**1:37**
